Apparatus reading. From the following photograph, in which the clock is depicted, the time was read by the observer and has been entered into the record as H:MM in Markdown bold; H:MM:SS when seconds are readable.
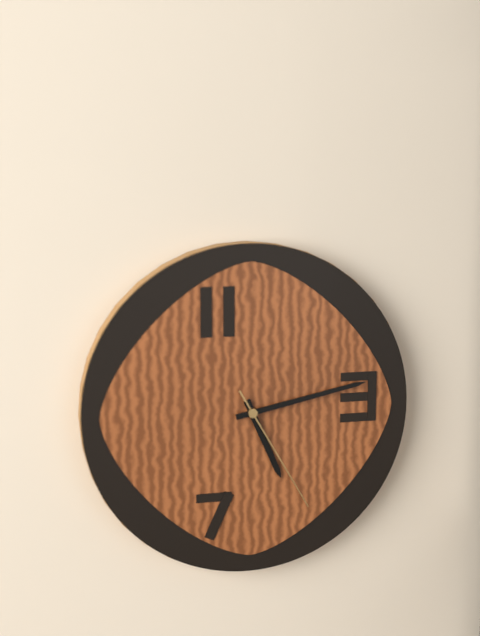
**5:13:25**
